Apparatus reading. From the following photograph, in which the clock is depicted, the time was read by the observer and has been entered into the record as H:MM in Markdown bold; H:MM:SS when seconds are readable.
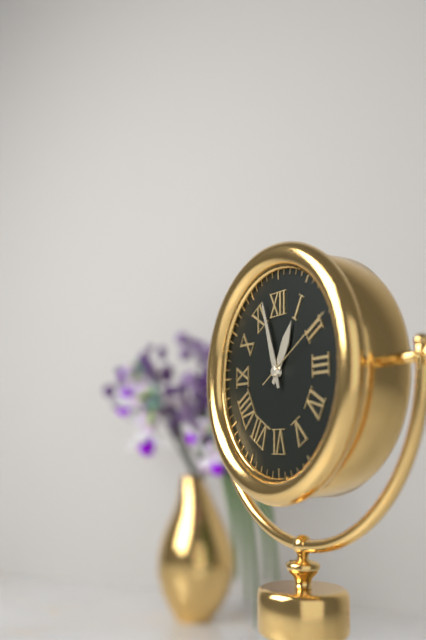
**12:57:10**
